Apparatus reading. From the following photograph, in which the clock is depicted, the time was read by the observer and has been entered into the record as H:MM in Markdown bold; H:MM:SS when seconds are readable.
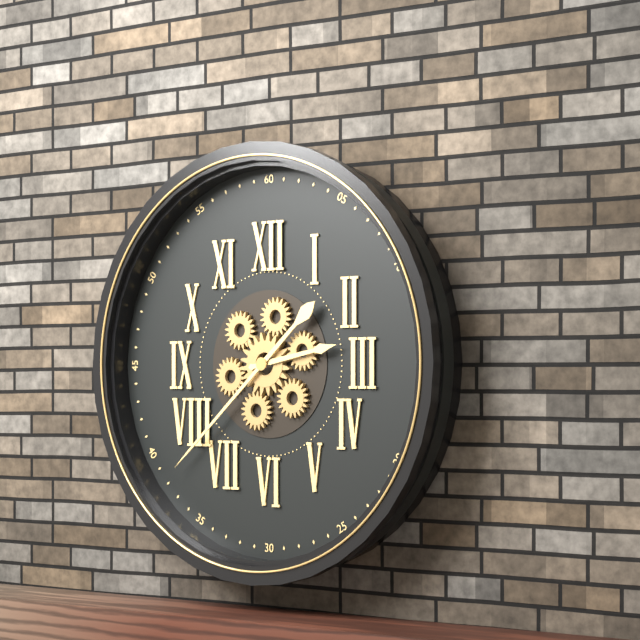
**2:38**
